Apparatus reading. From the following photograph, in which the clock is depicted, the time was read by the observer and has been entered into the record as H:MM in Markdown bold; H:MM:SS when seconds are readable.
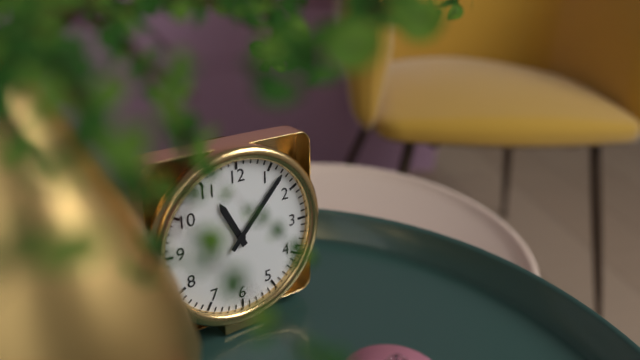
**11:07**
